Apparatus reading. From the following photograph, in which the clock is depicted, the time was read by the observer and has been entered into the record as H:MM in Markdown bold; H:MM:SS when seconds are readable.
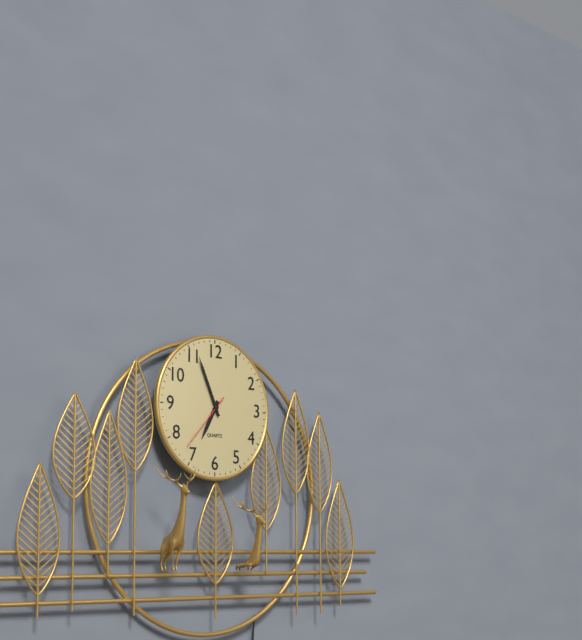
**6:56:37**
